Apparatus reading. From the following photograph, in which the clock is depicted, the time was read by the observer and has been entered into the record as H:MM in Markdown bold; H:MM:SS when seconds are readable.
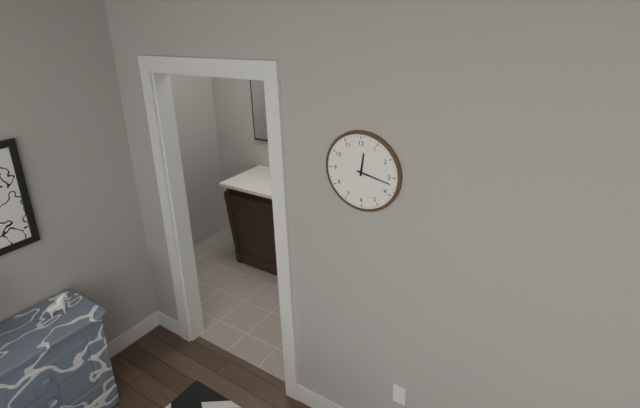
**12:17**
